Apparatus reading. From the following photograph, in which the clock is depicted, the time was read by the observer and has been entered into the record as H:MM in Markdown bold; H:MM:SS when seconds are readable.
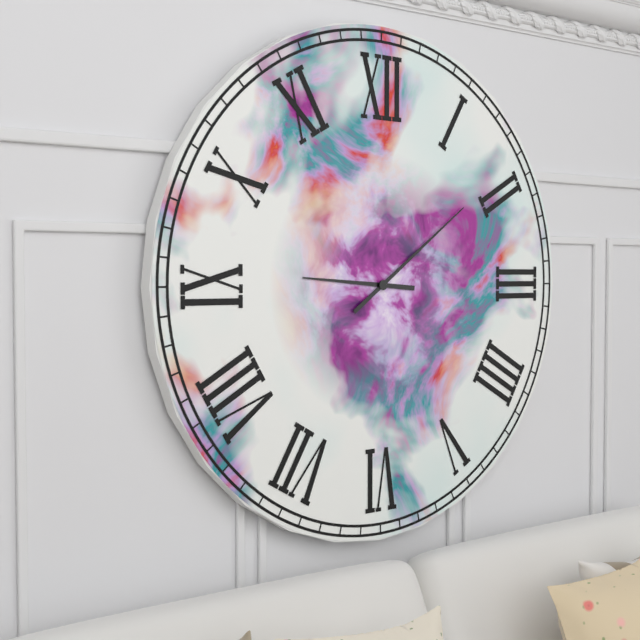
**9:09**
